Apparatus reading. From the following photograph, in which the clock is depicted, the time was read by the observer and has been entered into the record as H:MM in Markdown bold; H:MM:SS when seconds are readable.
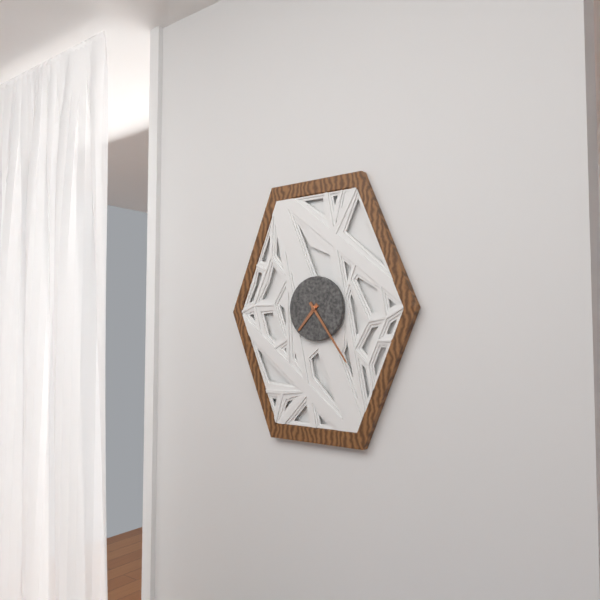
**7:24**
